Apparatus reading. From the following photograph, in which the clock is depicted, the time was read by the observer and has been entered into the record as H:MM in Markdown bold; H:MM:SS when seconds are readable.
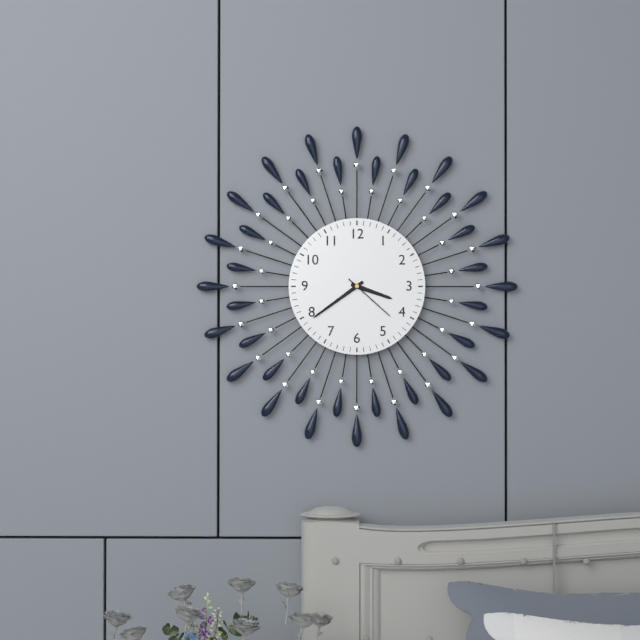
**3:39:22**
